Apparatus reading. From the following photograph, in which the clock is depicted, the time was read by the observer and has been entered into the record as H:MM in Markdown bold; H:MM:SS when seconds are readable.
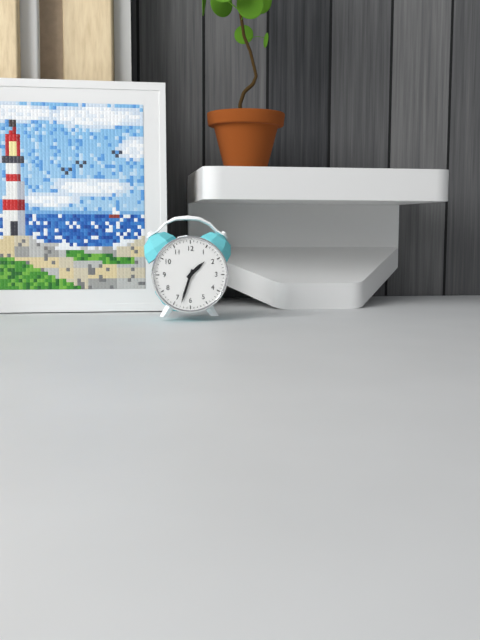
**1:33**
